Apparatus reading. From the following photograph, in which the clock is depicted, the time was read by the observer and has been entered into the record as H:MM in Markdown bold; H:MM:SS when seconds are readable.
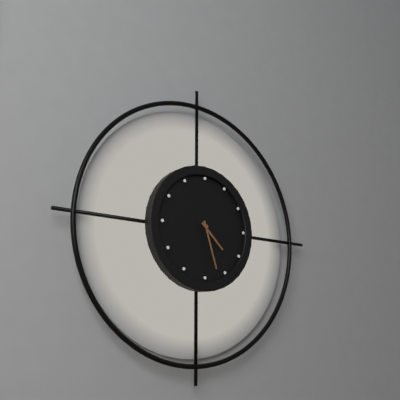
**4:27**
